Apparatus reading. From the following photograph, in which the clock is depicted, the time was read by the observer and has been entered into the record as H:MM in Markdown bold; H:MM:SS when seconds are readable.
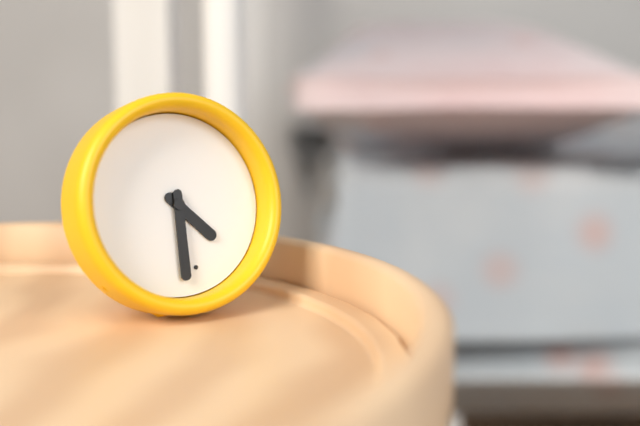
**4:30**
